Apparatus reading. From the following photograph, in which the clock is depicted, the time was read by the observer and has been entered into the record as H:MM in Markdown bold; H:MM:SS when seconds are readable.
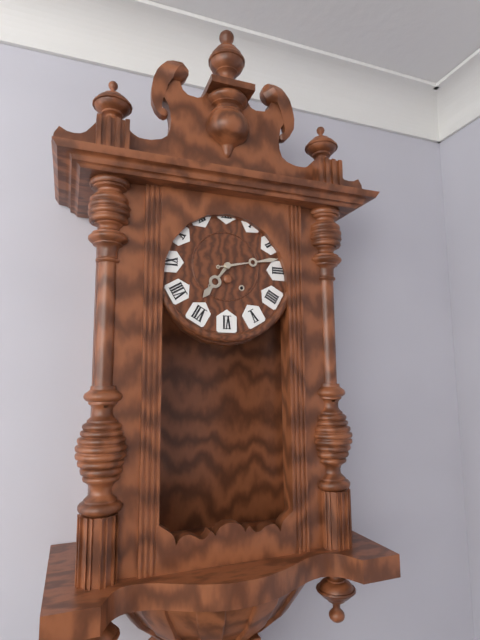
**7:13**
